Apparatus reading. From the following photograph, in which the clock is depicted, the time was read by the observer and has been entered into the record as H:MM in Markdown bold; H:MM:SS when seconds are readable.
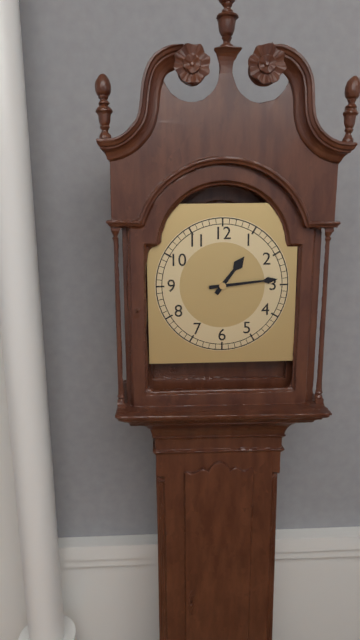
**1:14**
